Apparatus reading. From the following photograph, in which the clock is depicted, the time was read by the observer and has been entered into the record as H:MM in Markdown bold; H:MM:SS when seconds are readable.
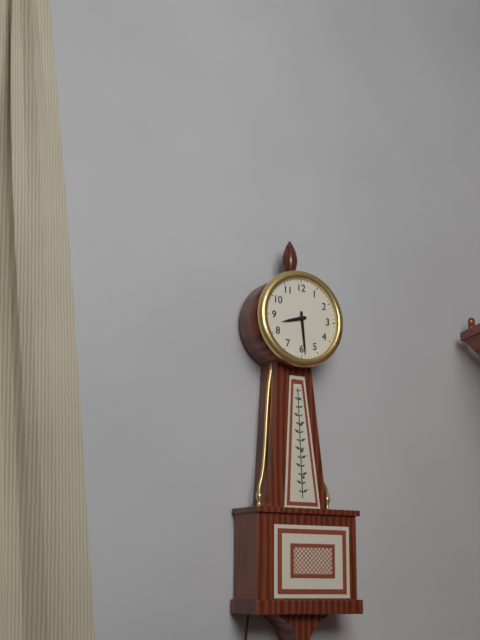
**8:29**
